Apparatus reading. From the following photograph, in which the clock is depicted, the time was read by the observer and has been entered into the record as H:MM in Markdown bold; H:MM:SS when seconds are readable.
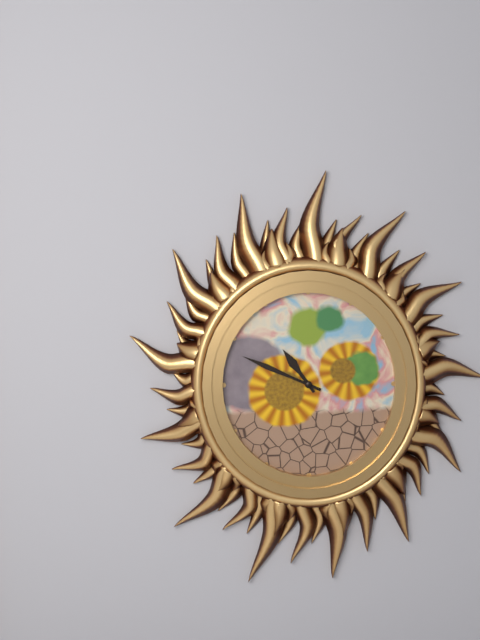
**10:49**
